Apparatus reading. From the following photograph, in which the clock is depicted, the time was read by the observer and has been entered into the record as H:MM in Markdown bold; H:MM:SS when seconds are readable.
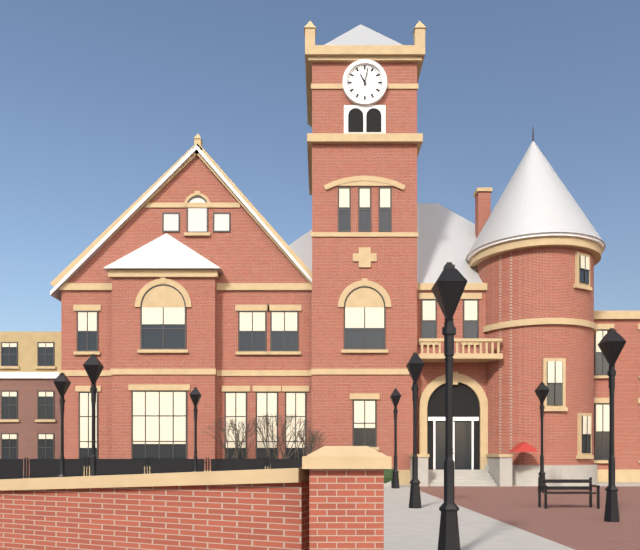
**11:02**
